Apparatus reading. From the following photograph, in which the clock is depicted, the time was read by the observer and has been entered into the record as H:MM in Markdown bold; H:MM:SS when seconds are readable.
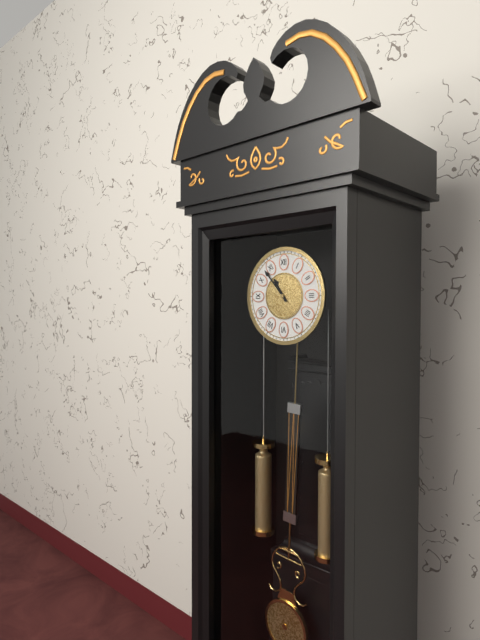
**10:53**
